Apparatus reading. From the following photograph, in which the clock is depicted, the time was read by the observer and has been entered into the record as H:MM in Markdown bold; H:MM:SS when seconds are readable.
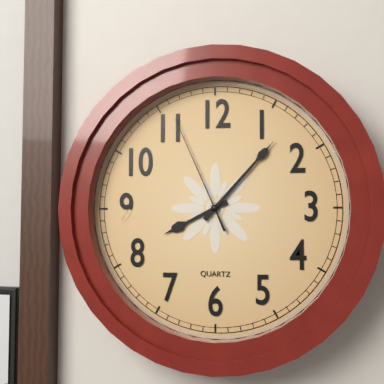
**8:07:56**
